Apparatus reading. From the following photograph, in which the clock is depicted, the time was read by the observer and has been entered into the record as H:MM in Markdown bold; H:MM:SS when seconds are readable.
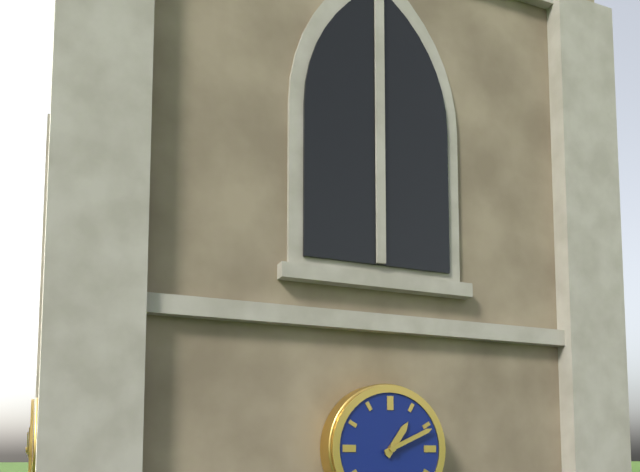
**1:11**
